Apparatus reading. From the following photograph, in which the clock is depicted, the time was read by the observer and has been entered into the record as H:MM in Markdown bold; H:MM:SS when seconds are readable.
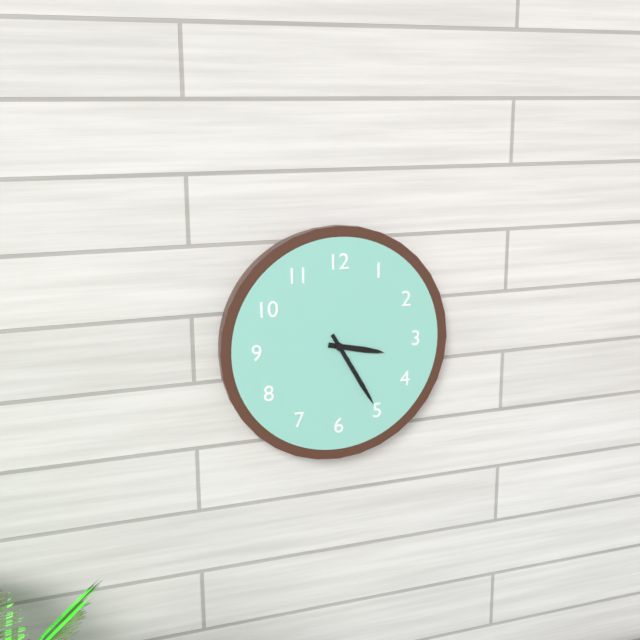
**3:25**
